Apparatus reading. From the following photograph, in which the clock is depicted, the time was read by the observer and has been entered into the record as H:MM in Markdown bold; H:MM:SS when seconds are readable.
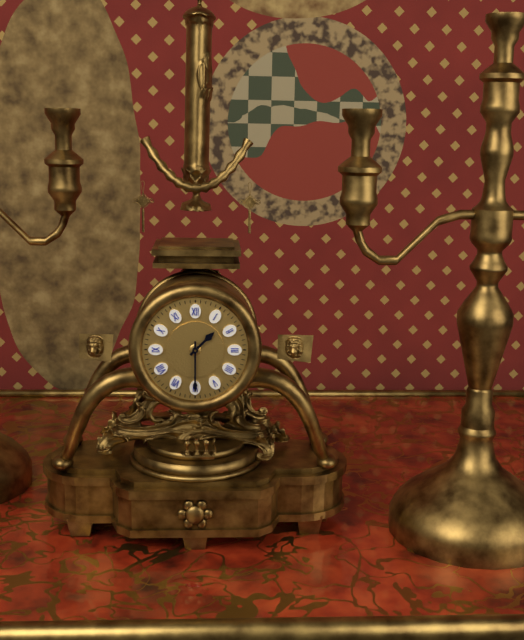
**1:30**
